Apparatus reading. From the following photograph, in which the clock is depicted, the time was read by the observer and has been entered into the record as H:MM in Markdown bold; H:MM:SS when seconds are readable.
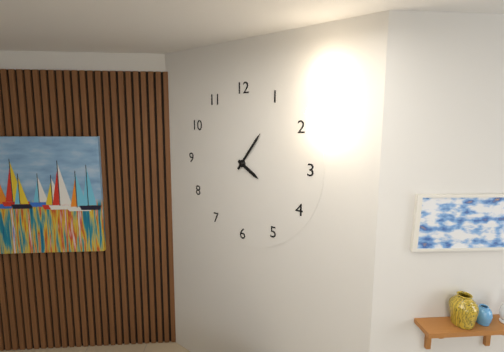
**4:06**
